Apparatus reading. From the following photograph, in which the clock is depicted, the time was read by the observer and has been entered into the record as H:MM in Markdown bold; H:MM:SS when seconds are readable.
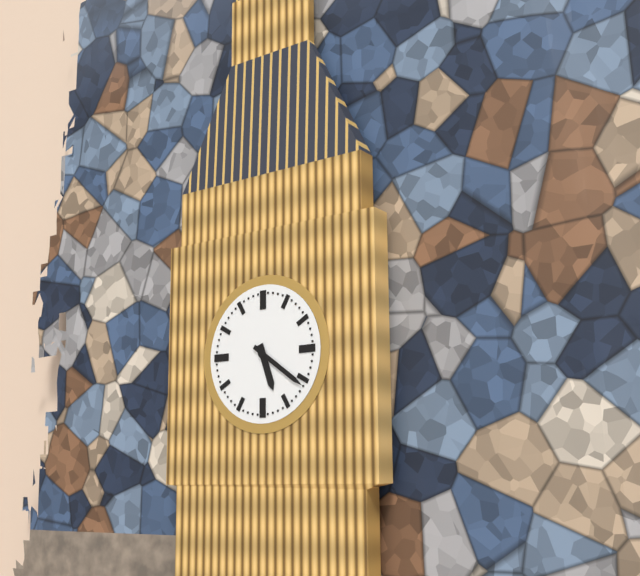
**5:21**
